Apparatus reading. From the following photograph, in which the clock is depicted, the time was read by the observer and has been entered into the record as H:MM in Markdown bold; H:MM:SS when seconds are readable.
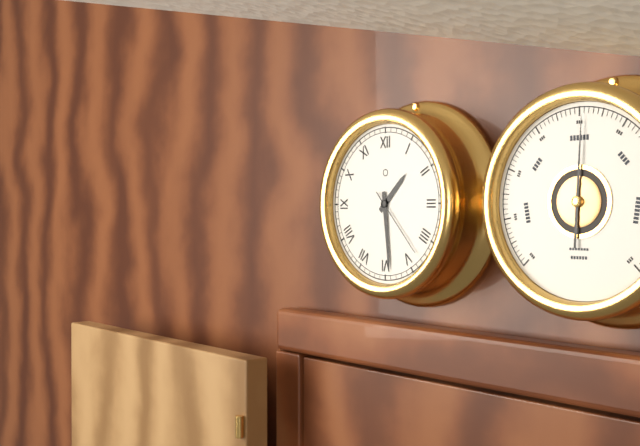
**1:29:23**
